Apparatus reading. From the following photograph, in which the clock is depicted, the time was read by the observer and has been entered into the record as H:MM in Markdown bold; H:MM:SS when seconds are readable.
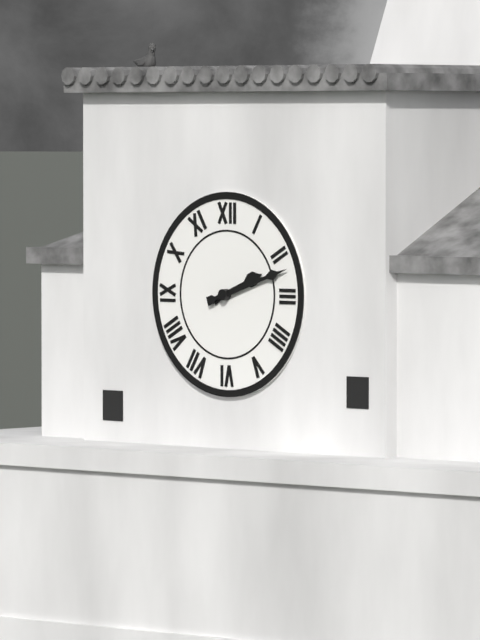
**2:12**
